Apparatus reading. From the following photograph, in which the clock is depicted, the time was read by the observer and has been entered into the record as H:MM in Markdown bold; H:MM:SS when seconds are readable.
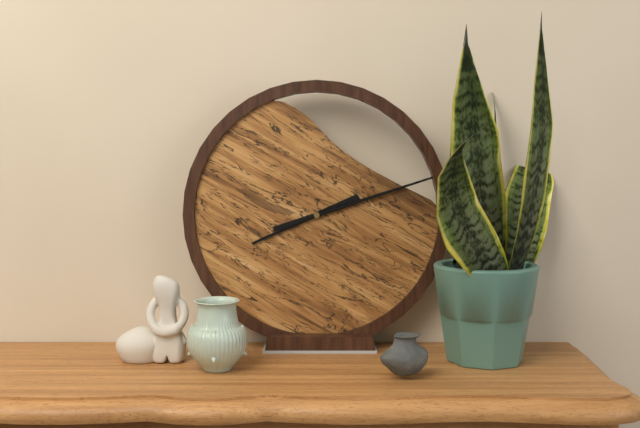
**8:12**
